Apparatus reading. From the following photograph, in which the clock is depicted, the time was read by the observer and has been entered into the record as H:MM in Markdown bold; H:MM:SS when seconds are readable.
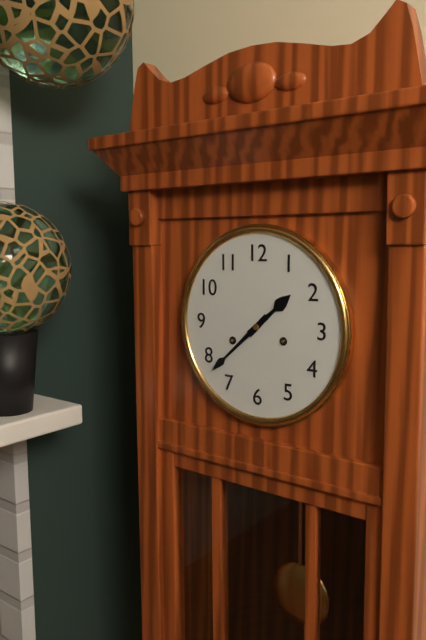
**1:38**
